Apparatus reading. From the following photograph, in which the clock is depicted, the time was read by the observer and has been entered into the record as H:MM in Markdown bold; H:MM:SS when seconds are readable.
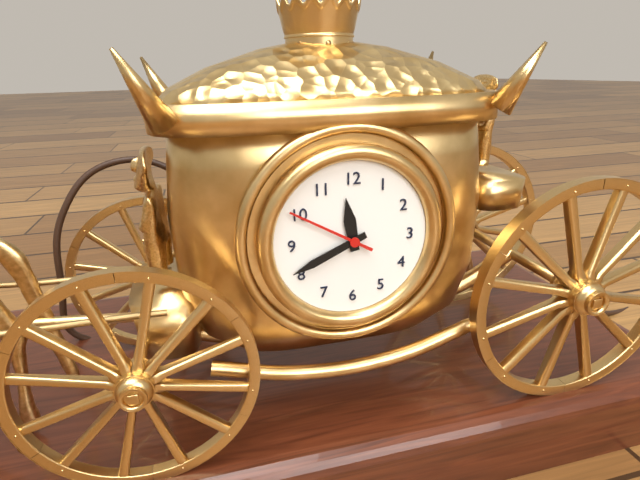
**11:41:50**
